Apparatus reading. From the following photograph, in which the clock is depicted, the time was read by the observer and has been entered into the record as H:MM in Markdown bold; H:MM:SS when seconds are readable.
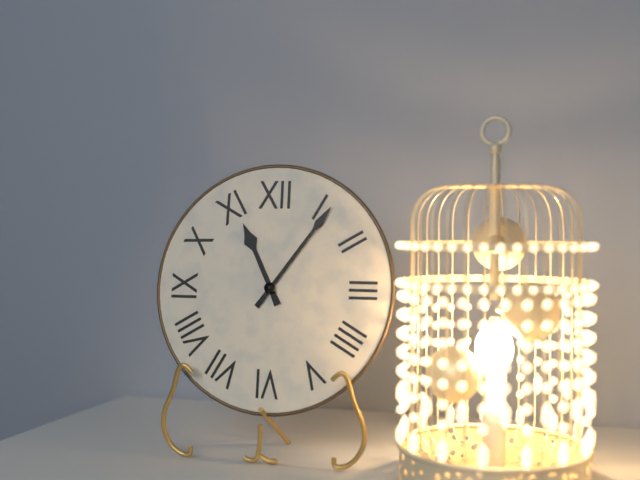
**11:06**
